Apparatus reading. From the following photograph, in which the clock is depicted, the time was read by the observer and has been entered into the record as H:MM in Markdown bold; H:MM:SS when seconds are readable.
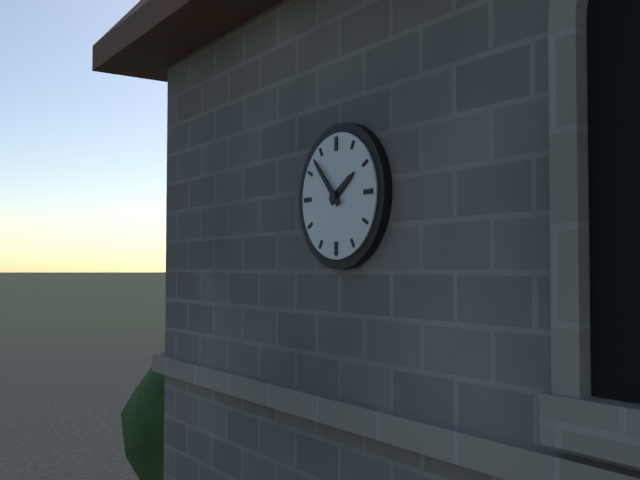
**1:53**
